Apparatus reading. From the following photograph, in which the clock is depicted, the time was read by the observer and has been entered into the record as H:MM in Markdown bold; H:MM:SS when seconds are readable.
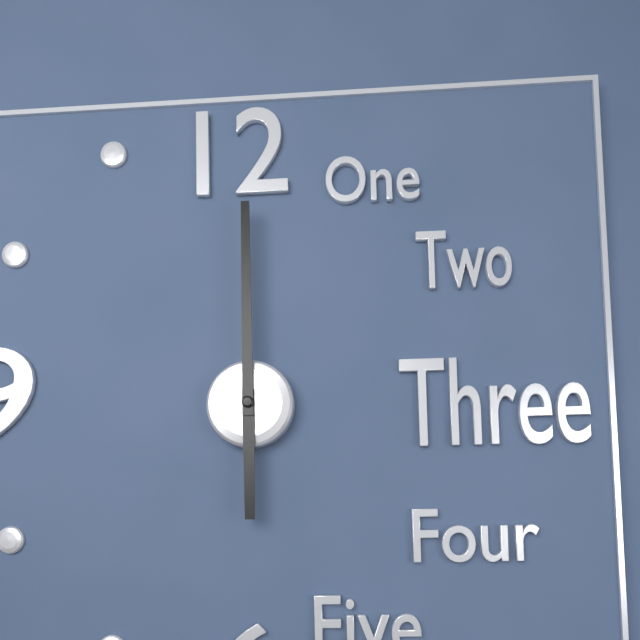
**6:00**
